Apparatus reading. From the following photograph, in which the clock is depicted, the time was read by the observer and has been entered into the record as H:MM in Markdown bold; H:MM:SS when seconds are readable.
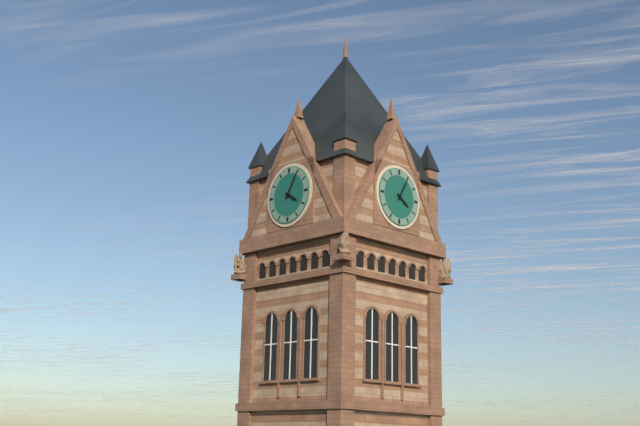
**4:05**
